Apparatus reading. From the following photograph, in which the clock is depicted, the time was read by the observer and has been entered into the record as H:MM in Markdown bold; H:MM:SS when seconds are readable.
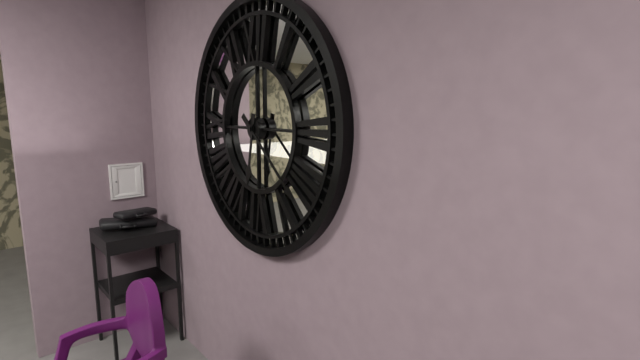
**6:22**
